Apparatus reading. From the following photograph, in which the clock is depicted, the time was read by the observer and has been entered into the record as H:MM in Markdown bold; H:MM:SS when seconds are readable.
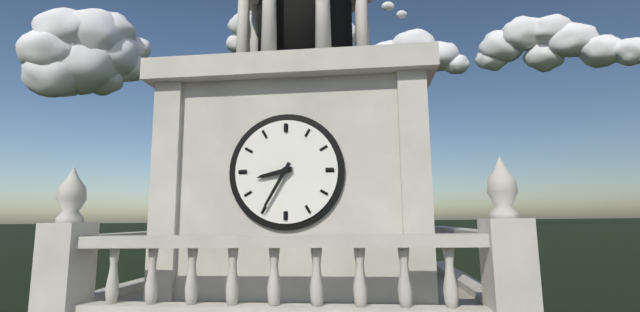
**8:35**
